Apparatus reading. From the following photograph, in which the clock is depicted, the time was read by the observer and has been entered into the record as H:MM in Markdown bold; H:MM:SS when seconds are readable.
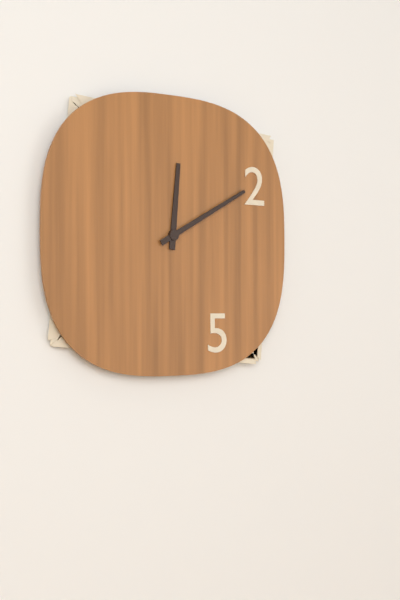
**12:10**
